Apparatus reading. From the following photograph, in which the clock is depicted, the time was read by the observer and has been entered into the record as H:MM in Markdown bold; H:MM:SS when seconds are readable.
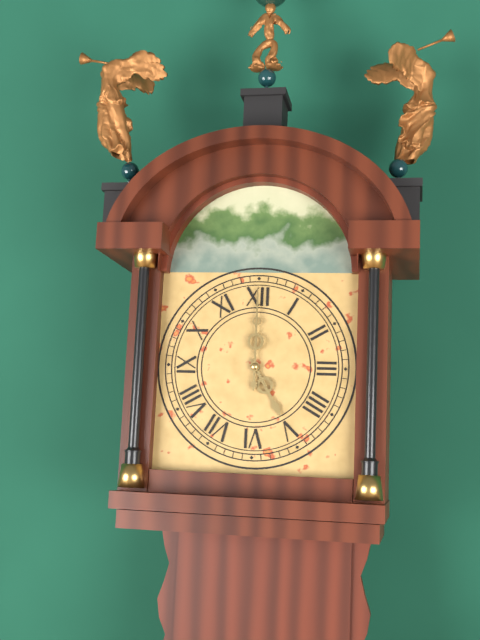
**5:00**
